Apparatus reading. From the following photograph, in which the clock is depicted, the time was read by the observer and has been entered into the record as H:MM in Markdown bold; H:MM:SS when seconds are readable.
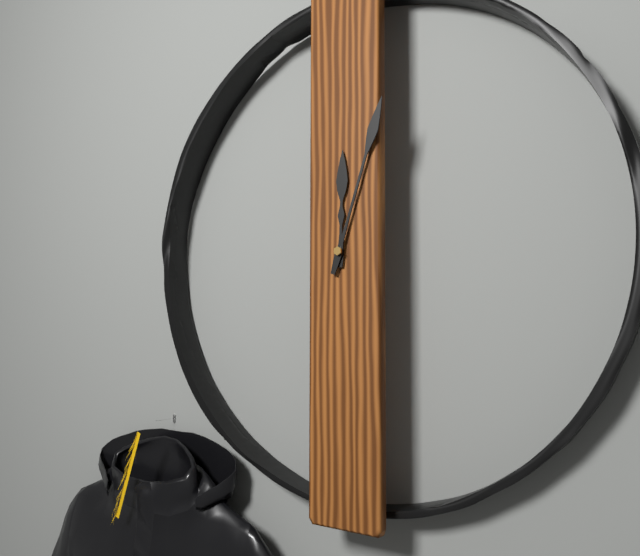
**12:03**
